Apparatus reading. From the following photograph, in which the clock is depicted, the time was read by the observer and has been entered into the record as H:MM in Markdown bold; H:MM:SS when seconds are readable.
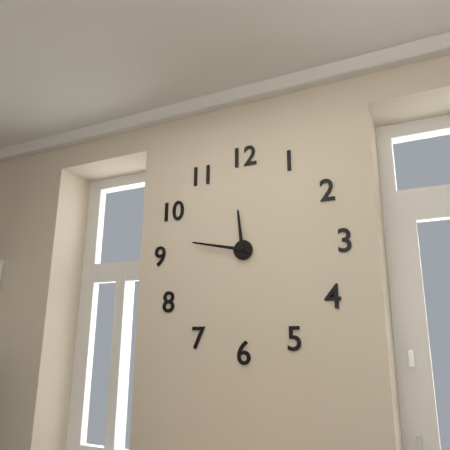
**11:47**
